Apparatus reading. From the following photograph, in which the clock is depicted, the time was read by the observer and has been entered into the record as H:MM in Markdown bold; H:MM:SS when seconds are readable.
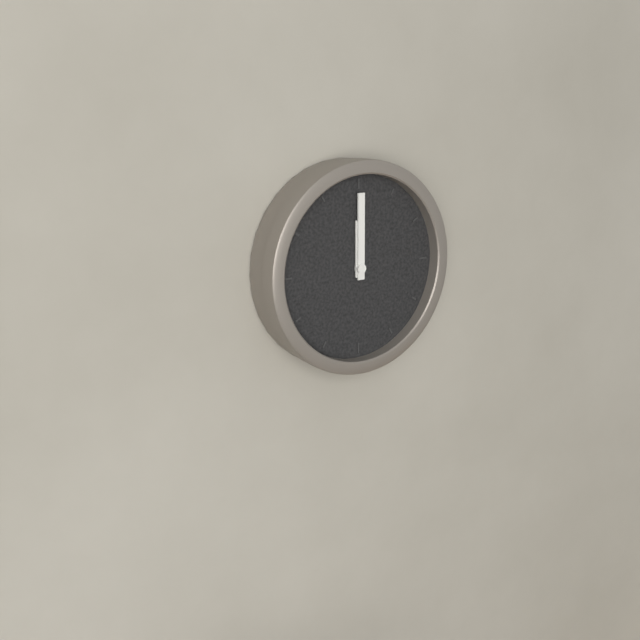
**12:00**
